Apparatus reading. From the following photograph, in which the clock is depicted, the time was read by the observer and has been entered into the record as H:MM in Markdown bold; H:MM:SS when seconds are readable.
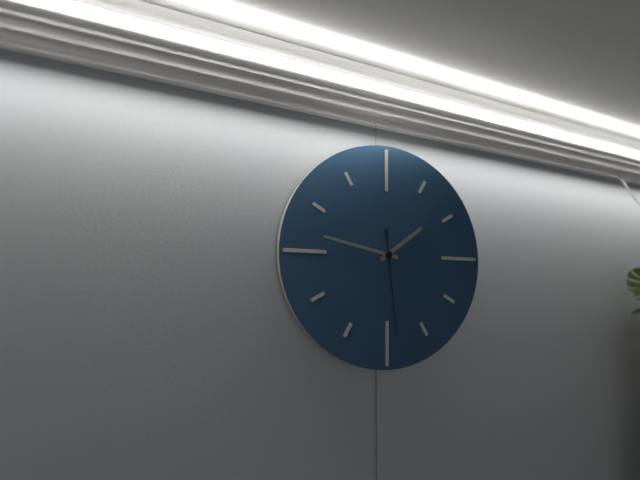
**1:47:29**
